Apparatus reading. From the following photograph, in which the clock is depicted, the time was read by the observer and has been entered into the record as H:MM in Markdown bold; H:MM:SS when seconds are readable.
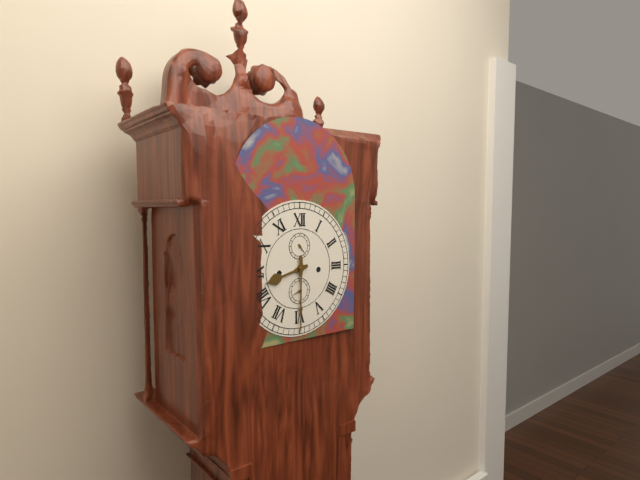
**8:30**
